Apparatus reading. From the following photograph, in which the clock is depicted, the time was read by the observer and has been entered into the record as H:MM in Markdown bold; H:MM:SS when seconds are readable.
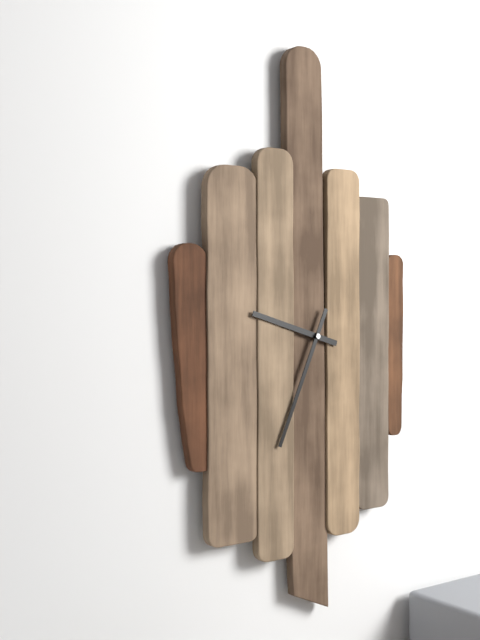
**9:34**
